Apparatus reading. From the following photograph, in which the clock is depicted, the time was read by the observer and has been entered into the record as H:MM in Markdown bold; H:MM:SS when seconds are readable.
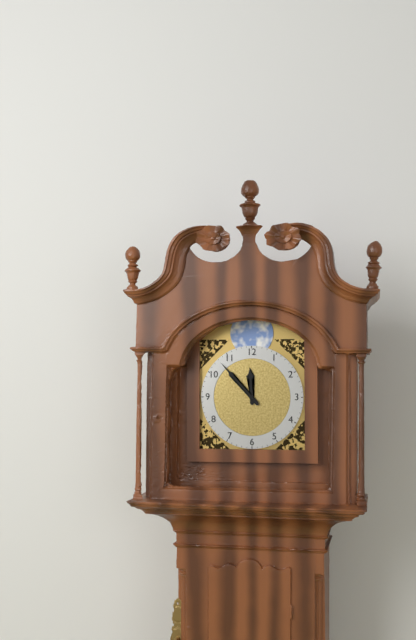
**11:53**
